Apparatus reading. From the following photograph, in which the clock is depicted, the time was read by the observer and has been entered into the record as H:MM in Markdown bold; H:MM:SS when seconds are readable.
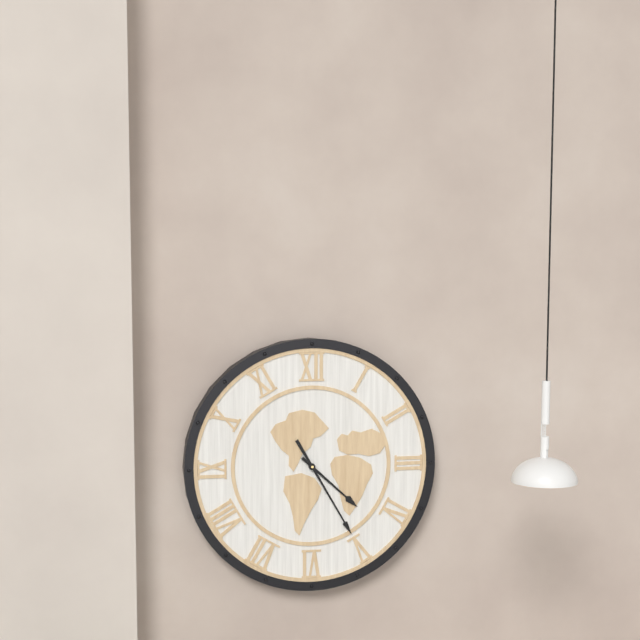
**4:25**
